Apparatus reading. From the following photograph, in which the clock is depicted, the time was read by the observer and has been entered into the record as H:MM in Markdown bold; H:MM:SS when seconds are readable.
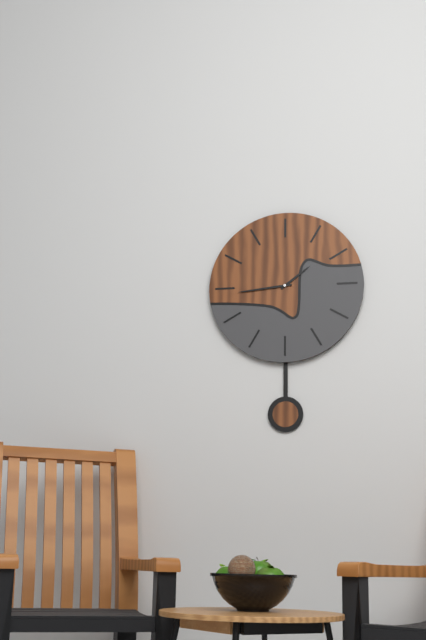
**1:44**
